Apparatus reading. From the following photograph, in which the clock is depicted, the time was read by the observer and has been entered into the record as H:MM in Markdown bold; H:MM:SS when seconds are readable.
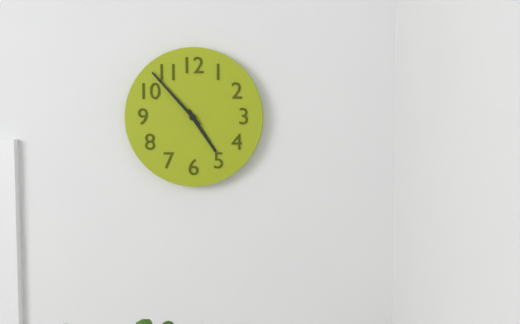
**4:53**
